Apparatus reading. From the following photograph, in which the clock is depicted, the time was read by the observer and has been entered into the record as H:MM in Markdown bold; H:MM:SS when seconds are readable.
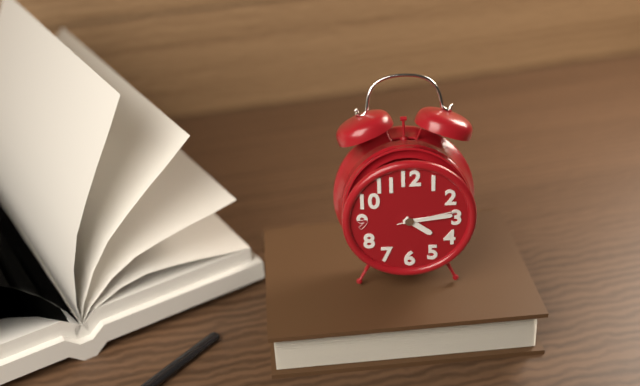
**4:14:13**
